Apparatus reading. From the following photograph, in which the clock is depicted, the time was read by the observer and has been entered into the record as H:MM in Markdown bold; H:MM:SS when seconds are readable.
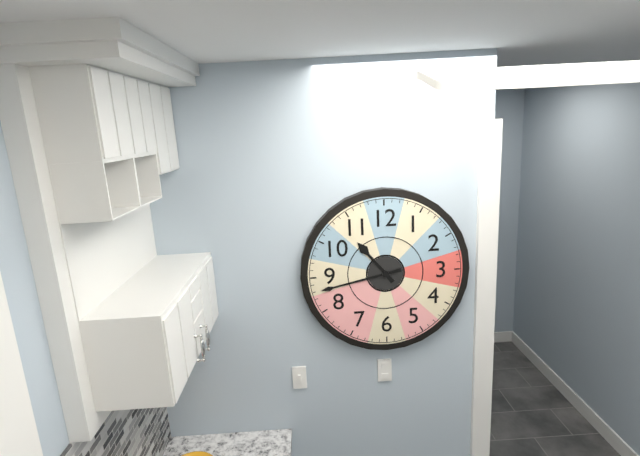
**10:43**
